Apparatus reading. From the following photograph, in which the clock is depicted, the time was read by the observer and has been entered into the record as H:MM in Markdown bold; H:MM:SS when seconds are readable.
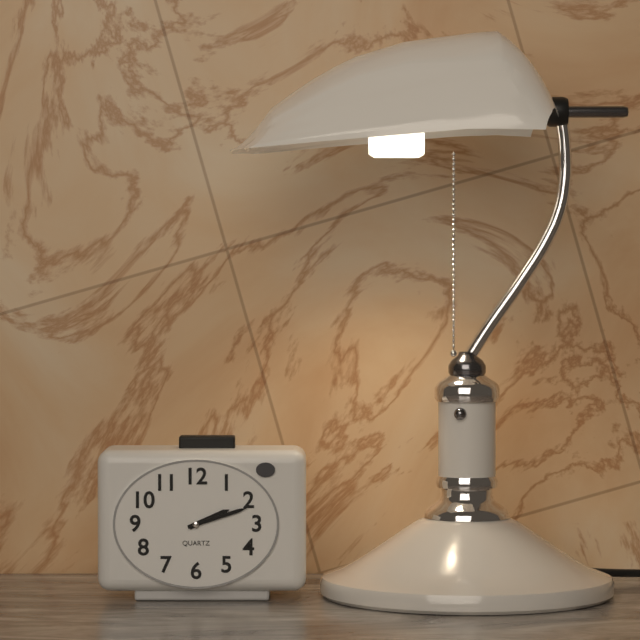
**2:12**
